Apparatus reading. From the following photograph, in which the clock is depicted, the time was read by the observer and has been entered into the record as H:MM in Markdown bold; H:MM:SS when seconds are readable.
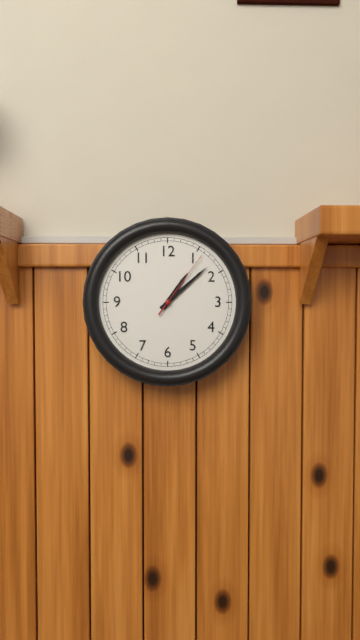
**1:08:06**
